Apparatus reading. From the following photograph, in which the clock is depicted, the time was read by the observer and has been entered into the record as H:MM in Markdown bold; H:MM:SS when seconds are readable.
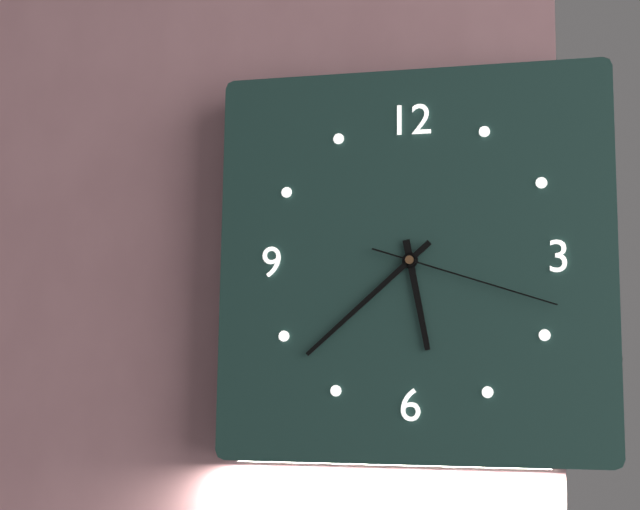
**5:38:18**
